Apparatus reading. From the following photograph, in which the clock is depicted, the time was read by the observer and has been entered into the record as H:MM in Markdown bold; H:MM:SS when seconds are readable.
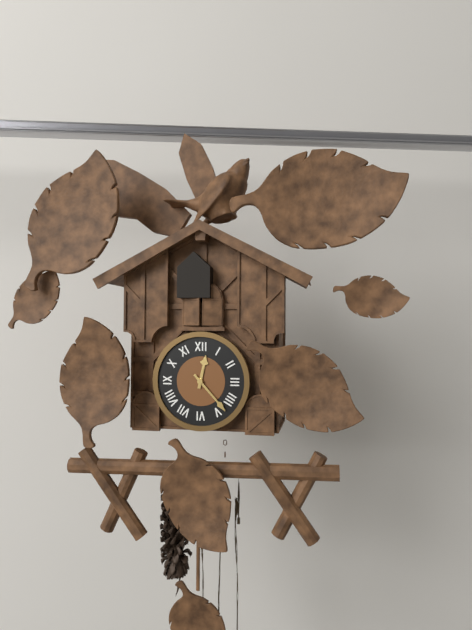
**12:23**
